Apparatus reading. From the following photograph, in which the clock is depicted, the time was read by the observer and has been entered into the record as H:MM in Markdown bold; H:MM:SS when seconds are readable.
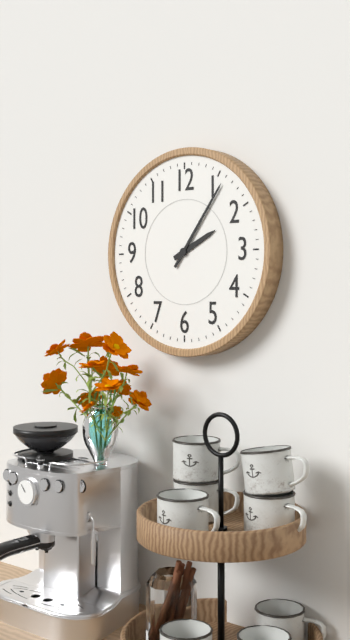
**2:06**
